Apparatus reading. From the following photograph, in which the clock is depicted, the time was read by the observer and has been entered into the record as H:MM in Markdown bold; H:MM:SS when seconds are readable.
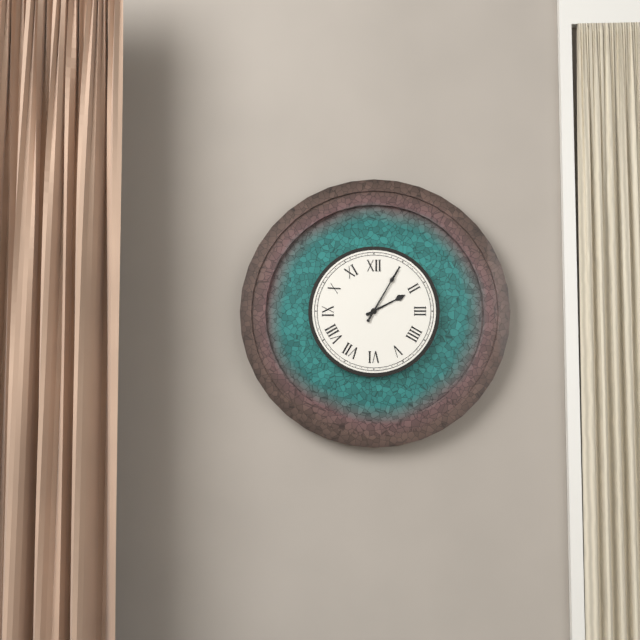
**2:05**
